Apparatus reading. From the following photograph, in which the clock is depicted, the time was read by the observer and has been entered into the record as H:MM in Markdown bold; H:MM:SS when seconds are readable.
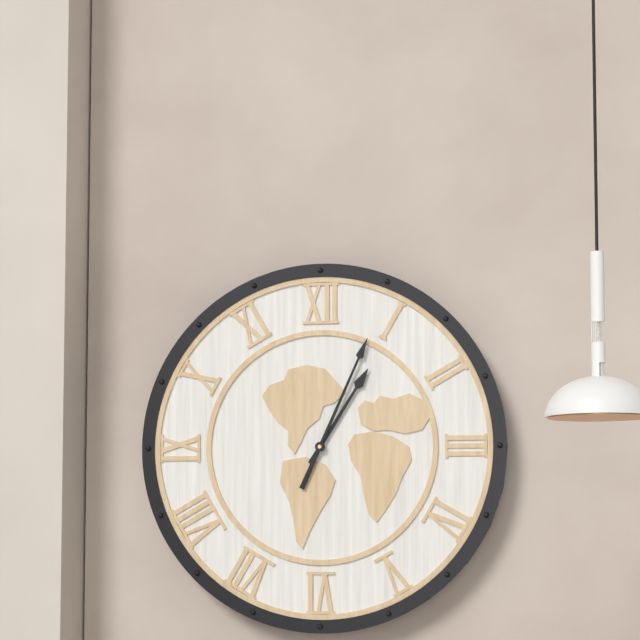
**1:04**
